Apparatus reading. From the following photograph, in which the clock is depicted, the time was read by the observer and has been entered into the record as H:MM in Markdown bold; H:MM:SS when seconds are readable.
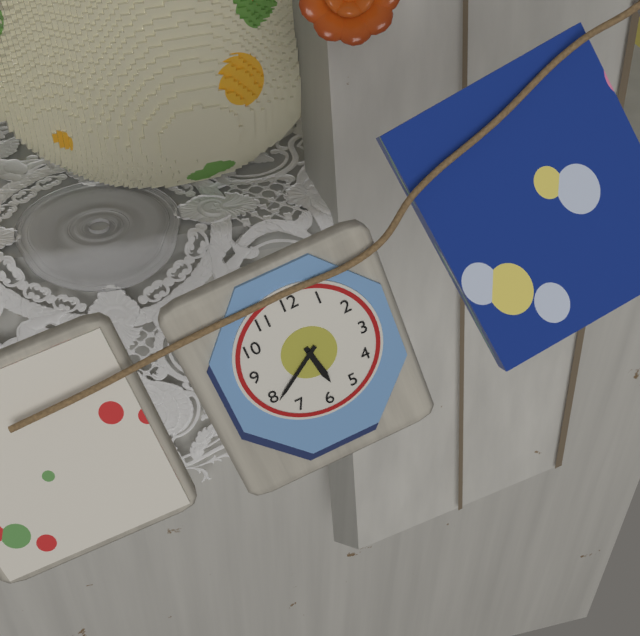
**5:39**
